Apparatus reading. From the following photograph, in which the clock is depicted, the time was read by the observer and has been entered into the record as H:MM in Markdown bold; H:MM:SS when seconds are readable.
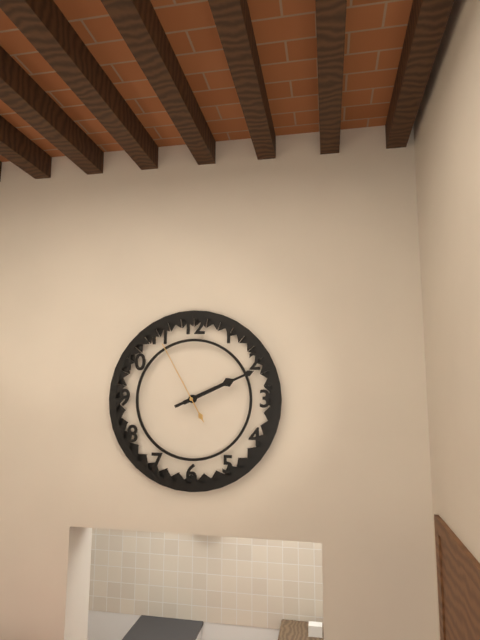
**2:11:55**
